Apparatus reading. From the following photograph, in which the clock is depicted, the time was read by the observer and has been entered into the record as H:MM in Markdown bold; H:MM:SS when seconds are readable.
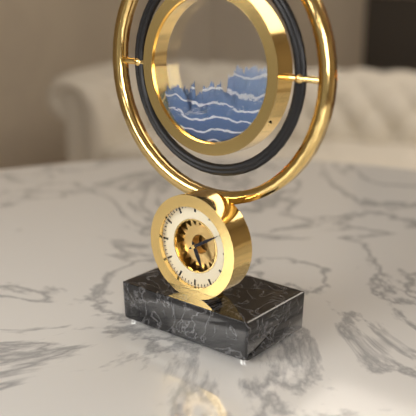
**5:10**
